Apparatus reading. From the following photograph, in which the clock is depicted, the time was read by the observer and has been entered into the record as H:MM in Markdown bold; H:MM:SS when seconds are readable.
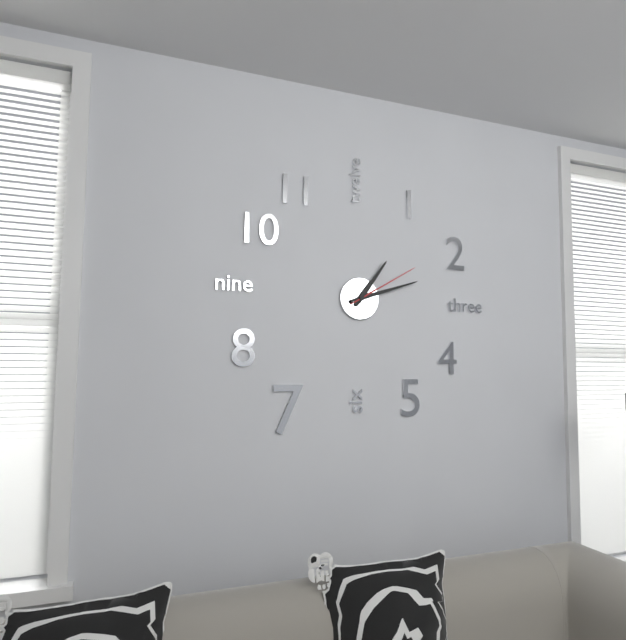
**1:12:10**
